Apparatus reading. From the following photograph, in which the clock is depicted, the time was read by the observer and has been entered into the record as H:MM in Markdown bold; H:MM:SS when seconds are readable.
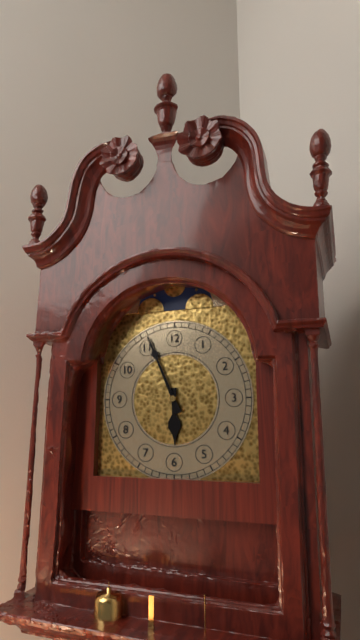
**5:56**
